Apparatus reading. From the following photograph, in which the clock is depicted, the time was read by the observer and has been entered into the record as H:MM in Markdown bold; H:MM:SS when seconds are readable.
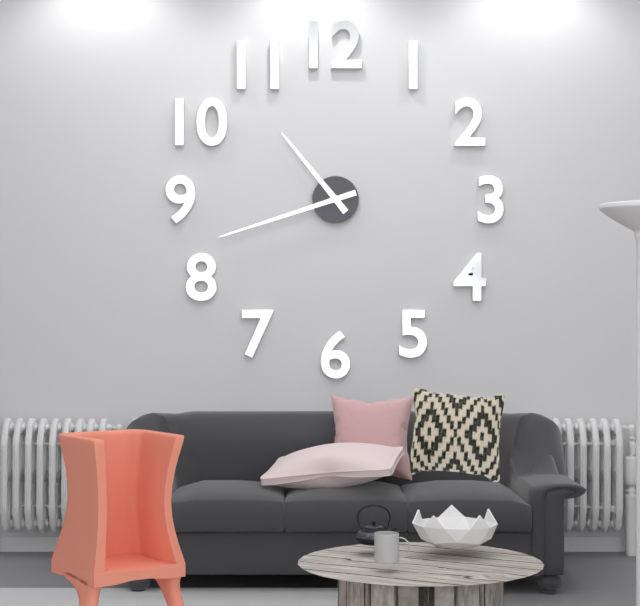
**10:42**
